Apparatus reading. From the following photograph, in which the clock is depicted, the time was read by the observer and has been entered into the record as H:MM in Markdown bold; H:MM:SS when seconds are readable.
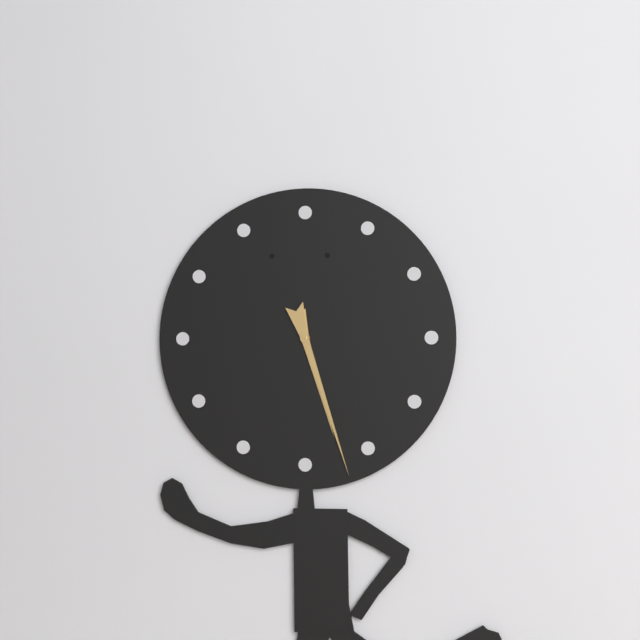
**5:27**
